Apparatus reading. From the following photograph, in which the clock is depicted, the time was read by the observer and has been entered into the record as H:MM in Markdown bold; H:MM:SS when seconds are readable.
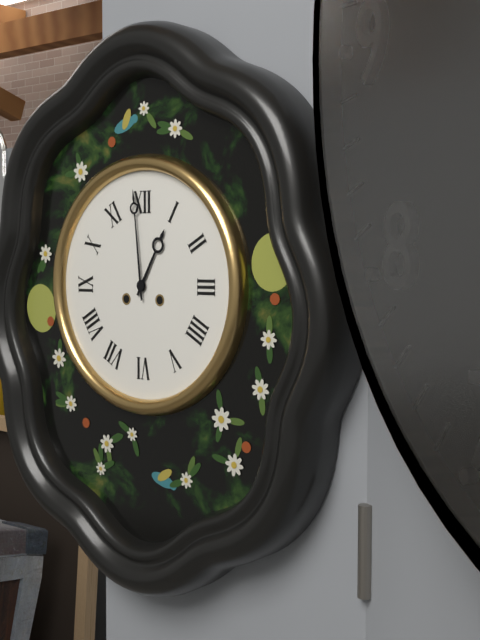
**12:59**
